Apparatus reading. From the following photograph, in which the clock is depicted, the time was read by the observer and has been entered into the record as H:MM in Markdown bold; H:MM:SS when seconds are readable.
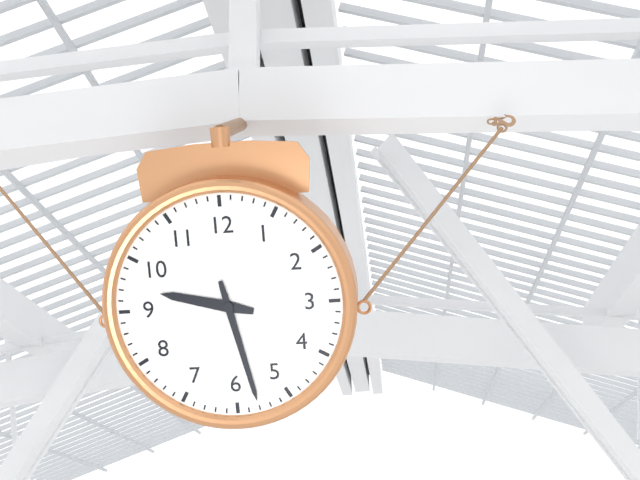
**9:28**
